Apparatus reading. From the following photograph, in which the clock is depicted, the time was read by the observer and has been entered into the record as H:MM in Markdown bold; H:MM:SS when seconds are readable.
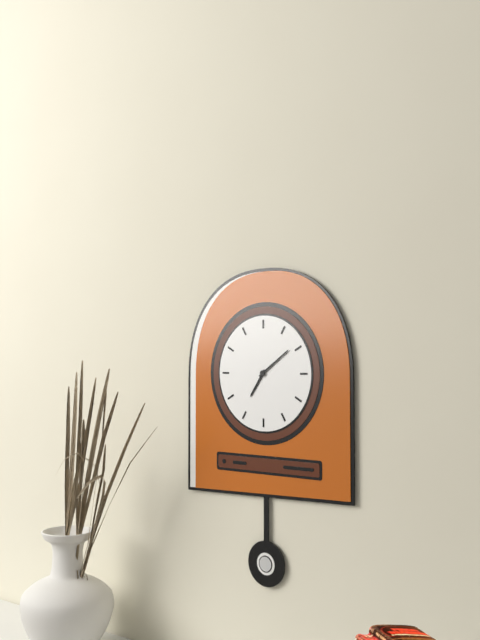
**7:09**
